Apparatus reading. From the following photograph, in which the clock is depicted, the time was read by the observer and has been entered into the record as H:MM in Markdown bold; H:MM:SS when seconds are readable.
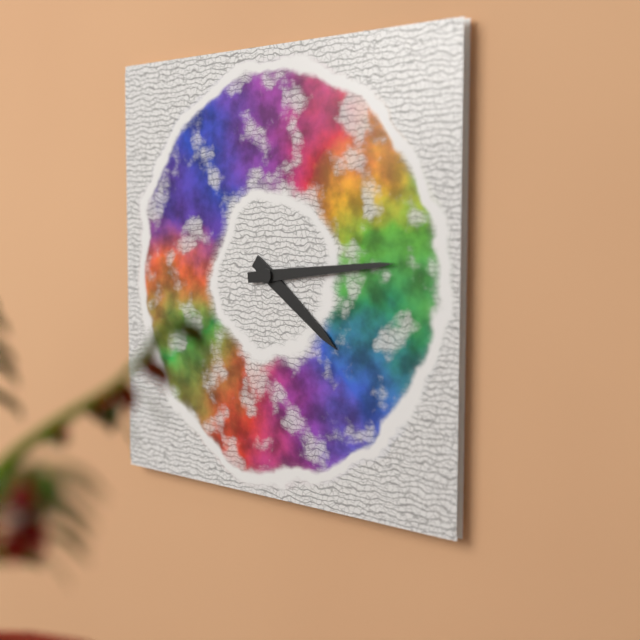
**4:14**
